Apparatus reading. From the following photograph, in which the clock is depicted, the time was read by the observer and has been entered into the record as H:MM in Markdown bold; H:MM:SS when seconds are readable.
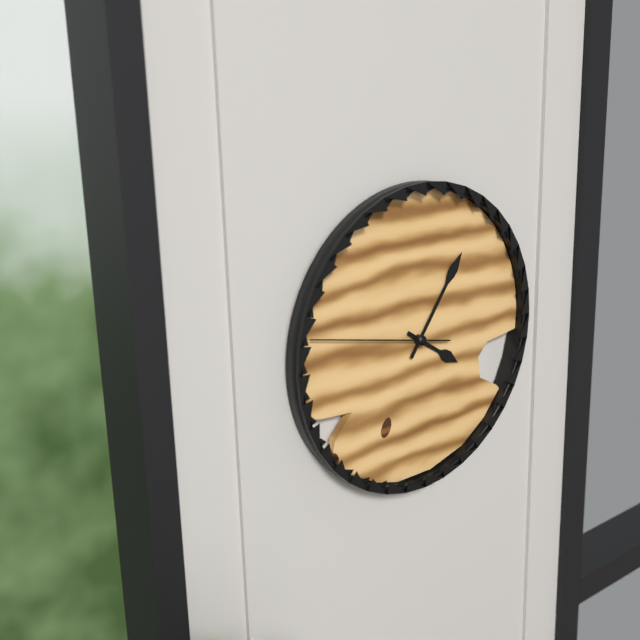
**4:06:47**
